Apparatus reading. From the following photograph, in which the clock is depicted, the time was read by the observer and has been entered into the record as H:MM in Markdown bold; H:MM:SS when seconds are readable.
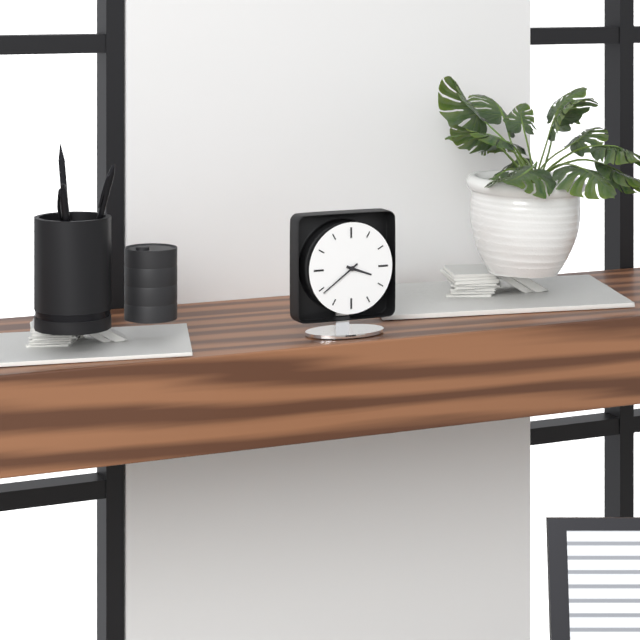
**3:39**
